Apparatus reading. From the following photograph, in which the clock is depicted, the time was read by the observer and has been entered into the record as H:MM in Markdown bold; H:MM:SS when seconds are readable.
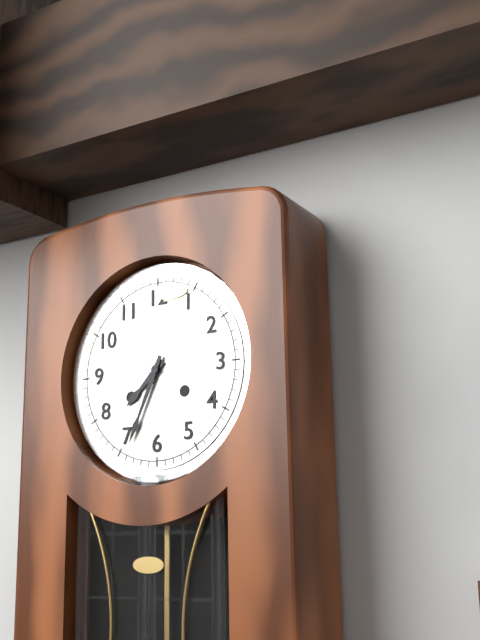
**7:34**
